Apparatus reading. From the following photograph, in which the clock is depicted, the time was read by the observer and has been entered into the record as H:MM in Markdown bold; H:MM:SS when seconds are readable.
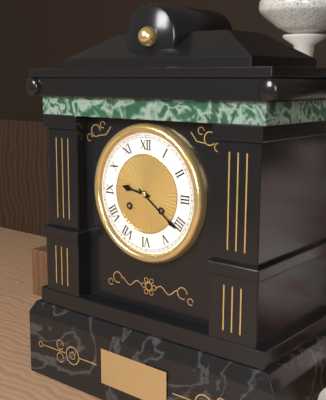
**9:21**
